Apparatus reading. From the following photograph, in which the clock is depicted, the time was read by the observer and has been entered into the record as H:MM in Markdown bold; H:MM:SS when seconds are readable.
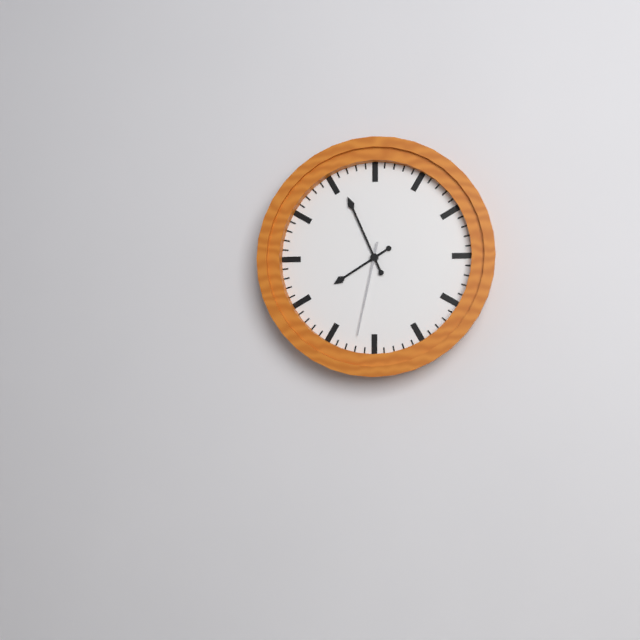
**7:56:32**
